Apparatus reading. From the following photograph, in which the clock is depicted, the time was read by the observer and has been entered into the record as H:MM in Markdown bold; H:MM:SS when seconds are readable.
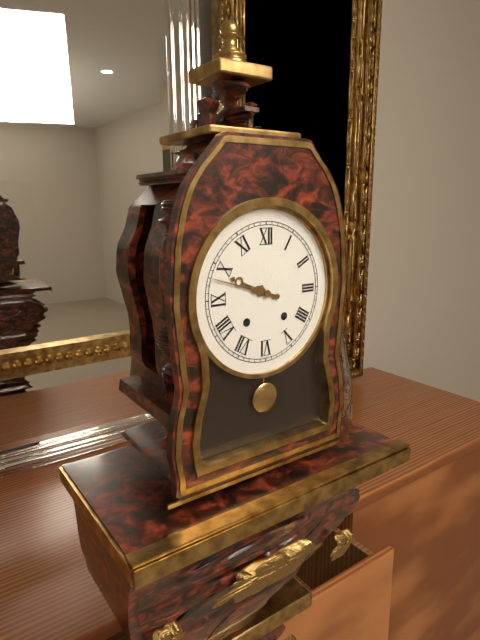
**9:48**
